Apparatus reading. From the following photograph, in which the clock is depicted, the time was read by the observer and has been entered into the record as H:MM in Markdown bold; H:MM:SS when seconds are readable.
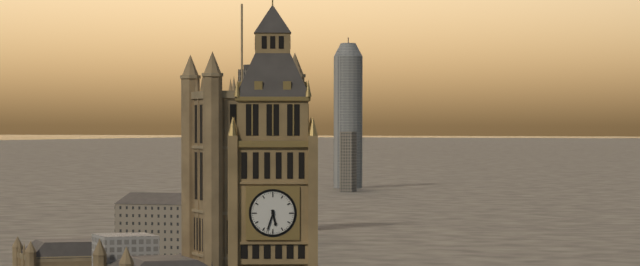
**5:33**
